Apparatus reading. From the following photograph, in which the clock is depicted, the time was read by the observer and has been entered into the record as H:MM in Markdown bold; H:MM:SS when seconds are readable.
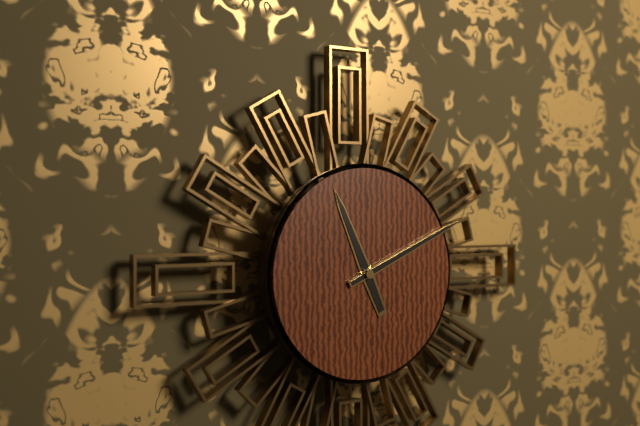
**11:11**
